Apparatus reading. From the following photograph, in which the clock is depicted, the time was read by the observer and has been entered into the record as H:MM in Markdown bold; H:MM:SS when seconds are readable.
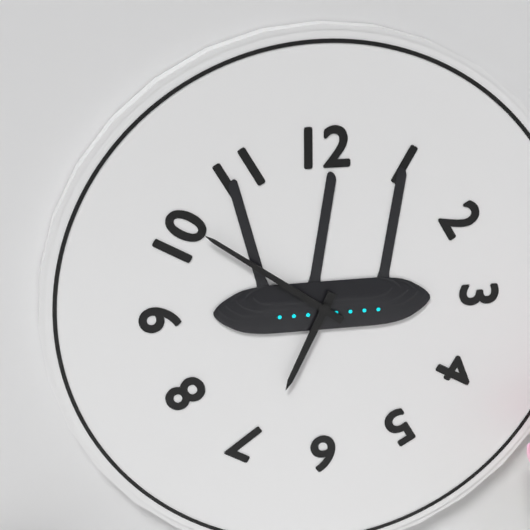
**6:51**
